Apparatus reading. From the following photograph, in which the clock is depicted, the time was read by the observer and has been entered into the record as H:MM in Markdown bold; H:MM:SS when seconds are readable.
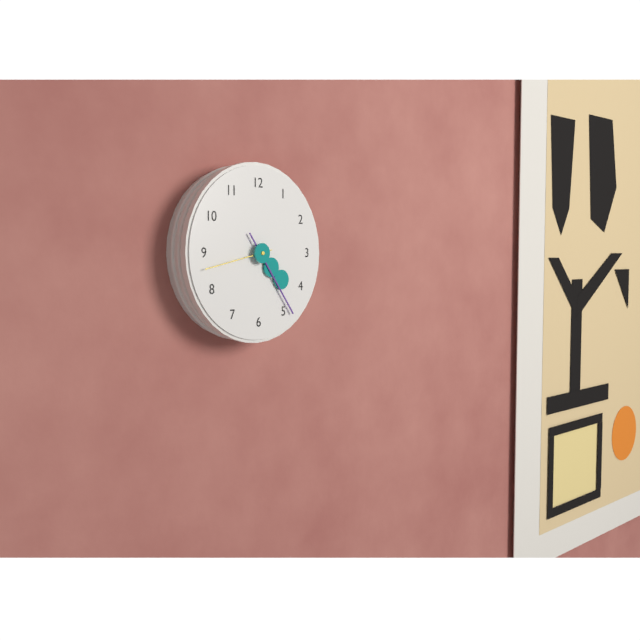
**4:24:43**
